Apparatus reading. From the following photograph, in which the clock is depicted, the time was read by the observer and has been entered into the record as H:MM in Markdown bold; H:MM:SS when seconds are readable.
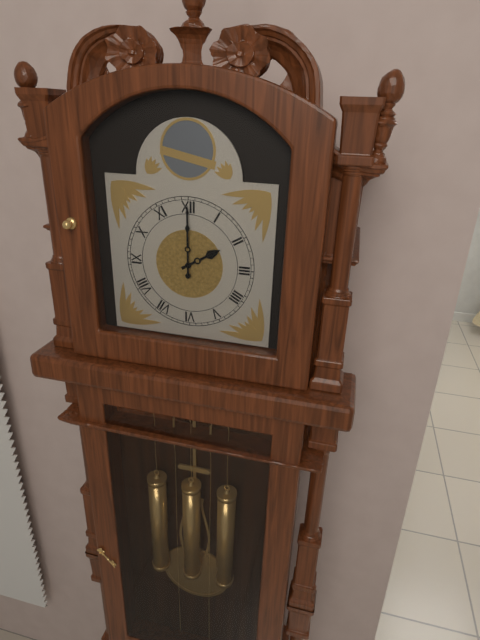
**2:00**
